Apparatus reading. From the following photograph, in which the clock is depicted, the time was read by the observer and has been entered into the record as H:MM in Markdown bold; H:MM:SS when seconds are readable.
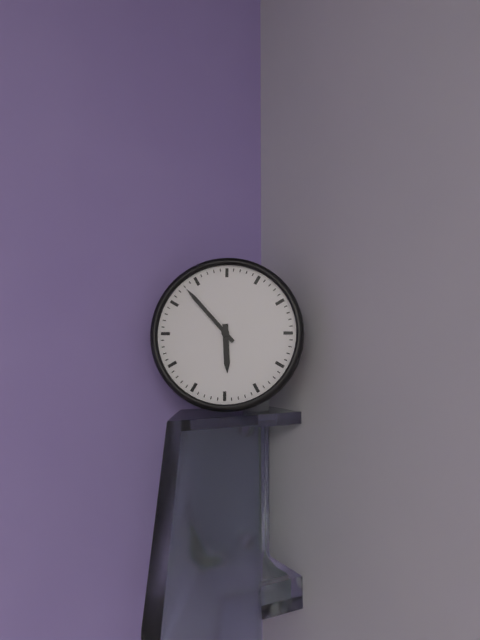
**5:53**
